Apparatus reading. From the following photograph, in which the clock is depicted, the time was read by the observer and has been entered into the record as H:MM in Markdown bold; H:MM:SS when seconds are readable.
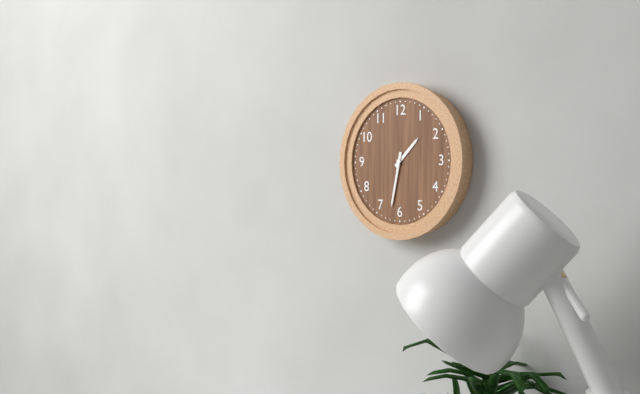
**1:32**
